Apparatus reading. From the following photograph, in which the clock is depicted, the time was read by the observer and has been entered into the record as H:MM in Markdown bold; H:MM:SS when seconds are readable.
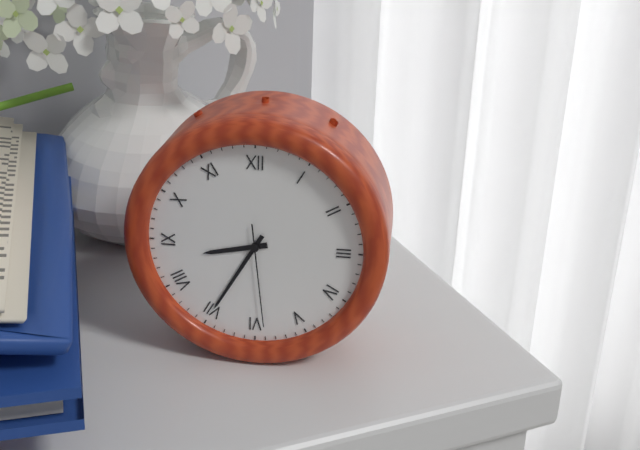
**8:35:29**
